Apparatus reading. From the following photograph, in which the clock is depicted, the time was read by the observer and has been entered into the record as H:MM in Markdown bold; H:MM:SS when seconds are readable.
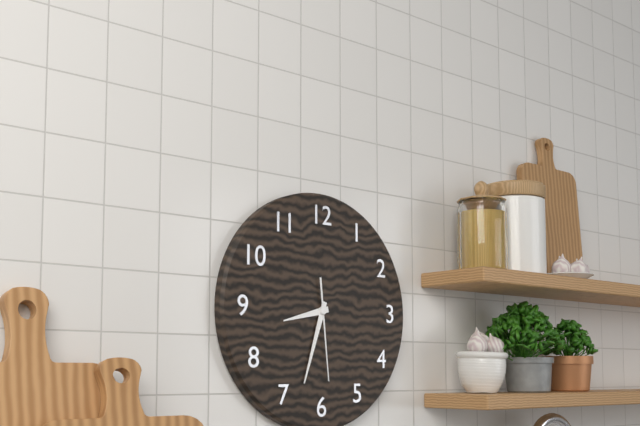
**8:33:29**
